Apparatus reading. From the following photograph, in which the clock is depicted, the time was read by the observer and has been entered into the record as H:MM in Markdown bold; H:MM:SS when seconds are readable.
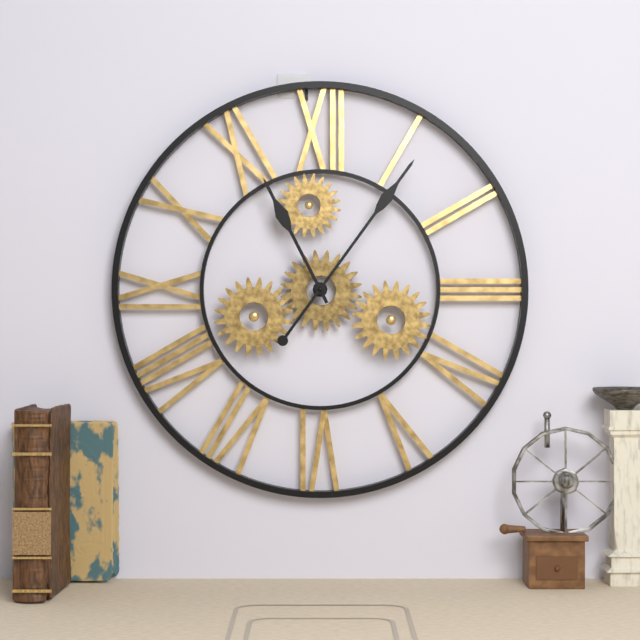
**11:06**
